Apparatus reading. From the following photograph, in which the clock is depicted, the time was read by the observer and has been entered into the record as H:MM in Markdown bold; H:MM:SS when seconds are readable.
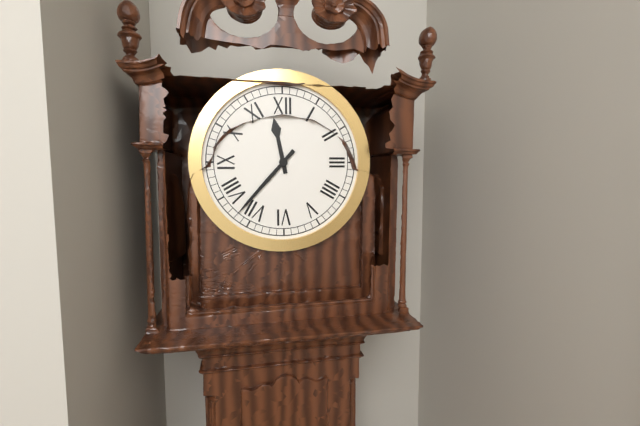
**11:37**
